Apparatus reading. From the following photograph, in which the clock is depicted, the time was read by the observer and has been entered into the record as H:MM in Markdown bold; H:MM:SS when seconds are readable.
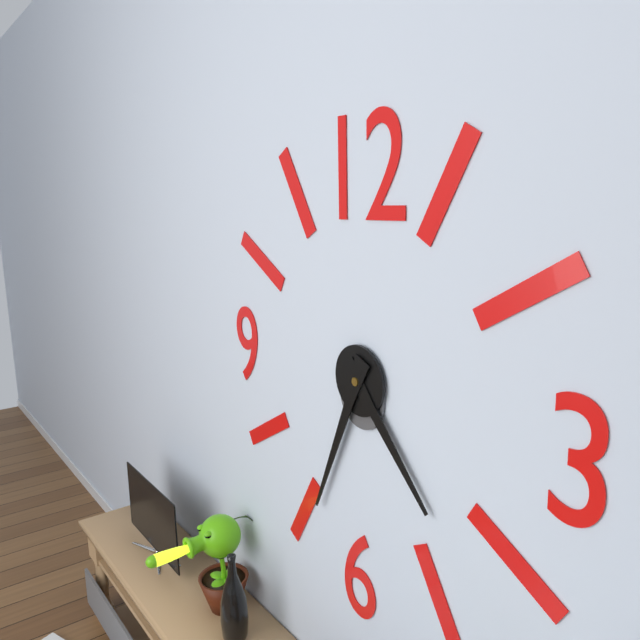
**4:34**
